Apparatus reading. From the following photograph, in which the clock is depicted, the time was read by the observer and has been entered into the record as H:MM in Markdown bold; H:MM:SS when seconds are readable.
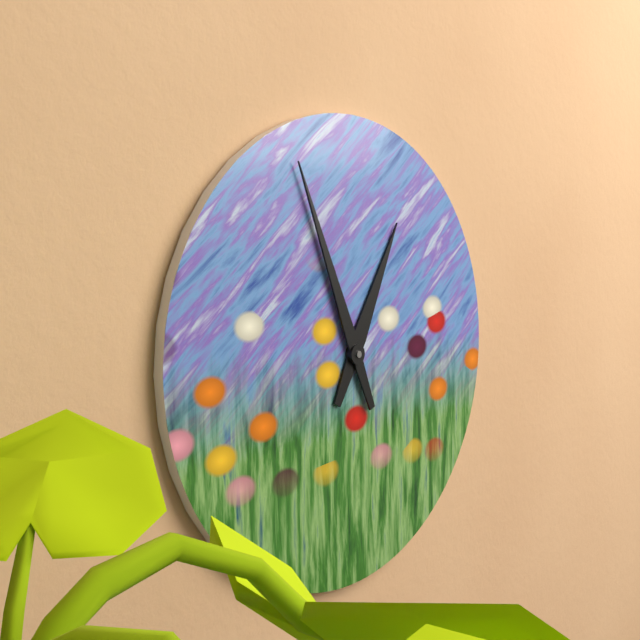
**12:56**
